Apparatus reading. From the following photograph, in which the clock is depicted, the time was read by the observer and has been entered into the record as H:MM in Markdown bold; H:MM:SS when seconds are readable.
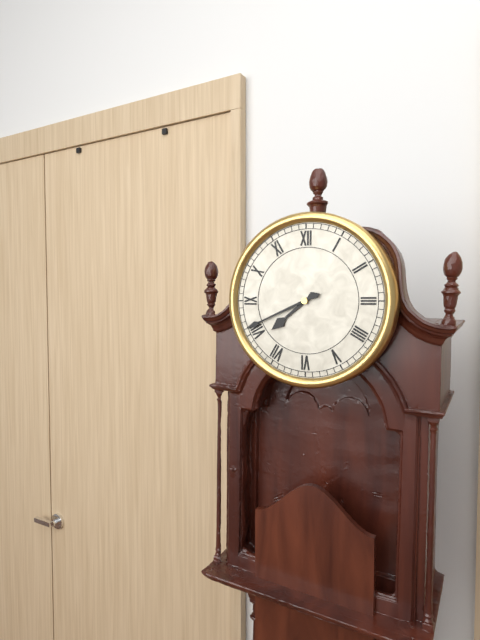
**7:41**
